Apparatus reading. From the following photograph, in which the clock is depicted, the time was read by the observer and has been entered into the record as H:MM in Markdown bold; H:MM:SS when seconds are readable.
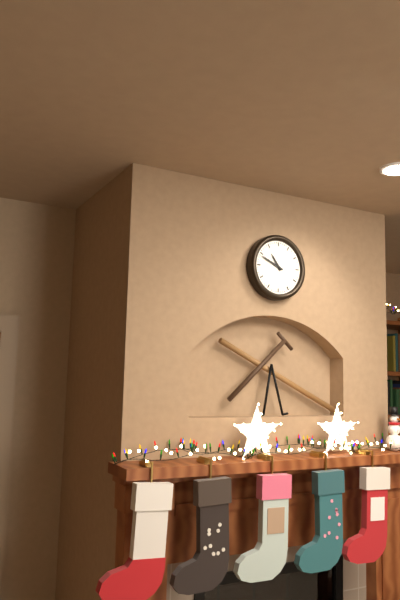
**10:49**
